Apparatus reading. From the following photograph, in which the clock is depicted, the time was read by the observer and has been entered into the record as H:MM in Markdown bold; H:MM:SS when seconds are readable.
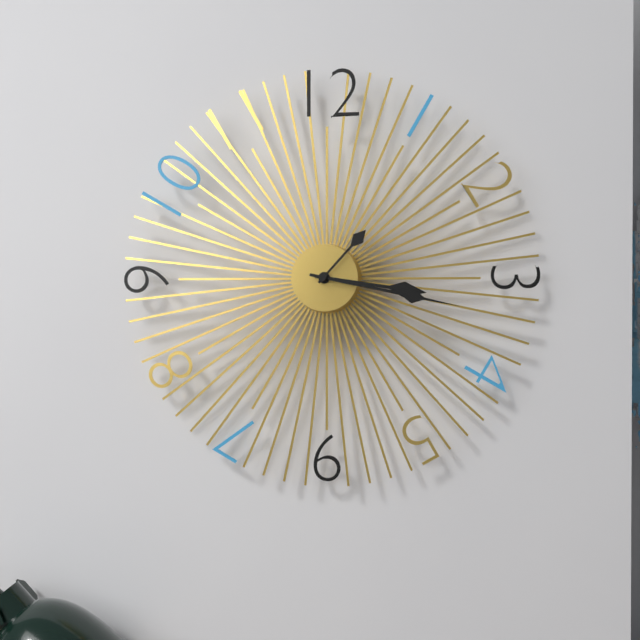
**3:17:07**
